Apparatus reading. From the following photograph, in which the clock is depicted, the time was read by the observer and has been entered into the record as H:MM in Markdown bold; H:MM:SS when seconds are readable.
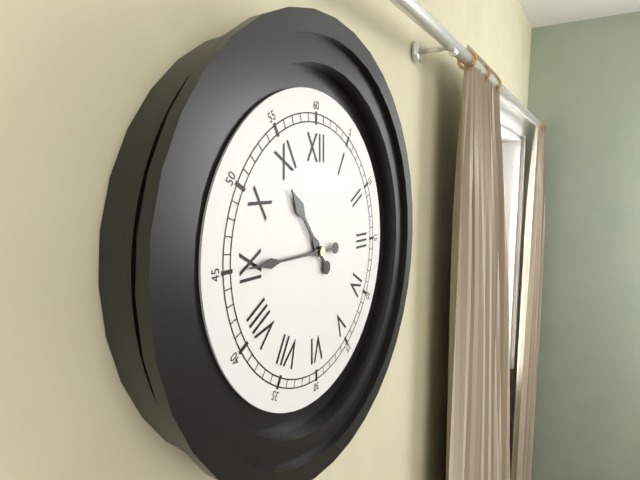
**10:45**
